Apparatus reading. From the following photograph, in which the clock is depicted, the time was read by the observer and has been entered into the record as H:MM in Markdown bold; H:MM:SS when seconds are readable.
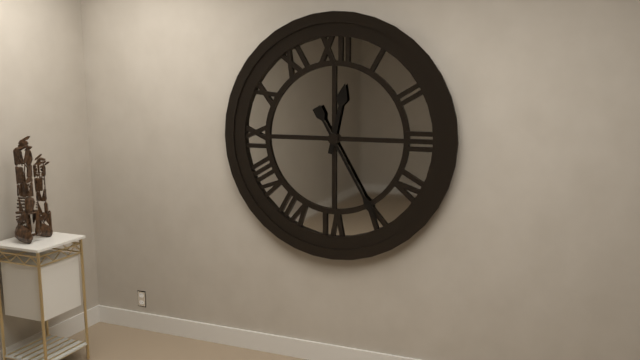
**12:25**
